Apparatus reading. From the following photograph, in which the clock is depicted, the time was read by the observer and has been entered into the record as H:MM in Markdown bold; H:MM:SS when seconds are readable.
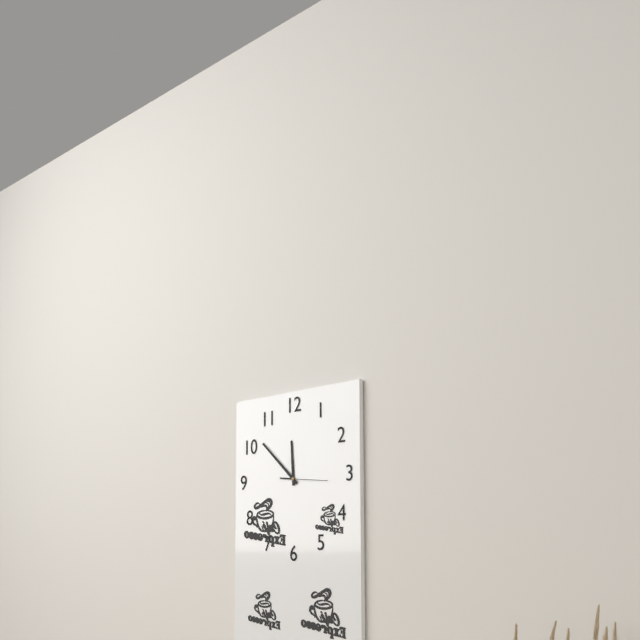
**11:52**
